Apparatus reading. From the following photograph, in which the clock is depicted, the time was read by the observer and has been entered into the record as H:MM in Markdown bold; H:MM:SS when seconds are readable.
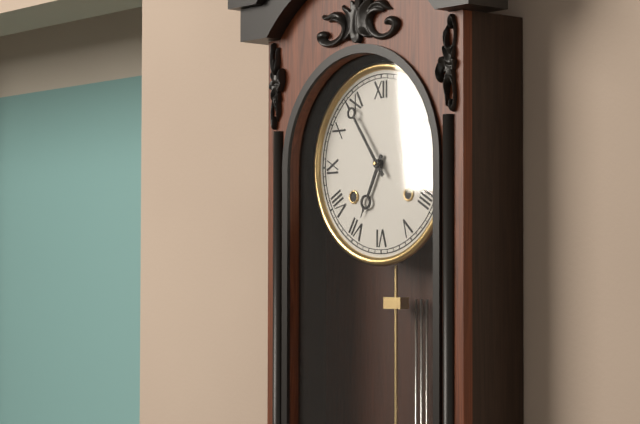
**6:54**
